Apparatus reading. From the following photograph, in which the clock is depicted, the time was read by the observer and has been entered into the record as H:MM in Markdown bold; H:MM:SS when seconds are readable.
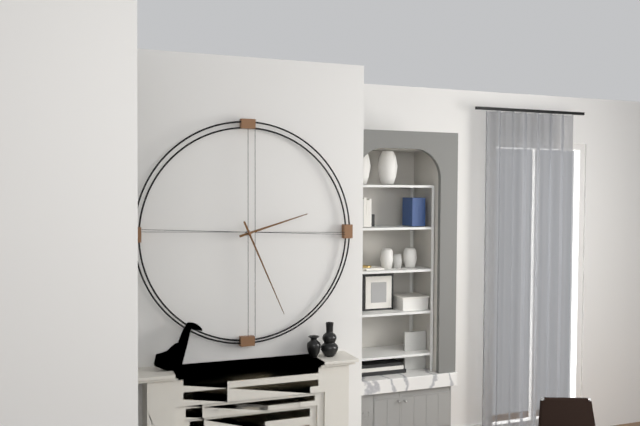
**2:26**
